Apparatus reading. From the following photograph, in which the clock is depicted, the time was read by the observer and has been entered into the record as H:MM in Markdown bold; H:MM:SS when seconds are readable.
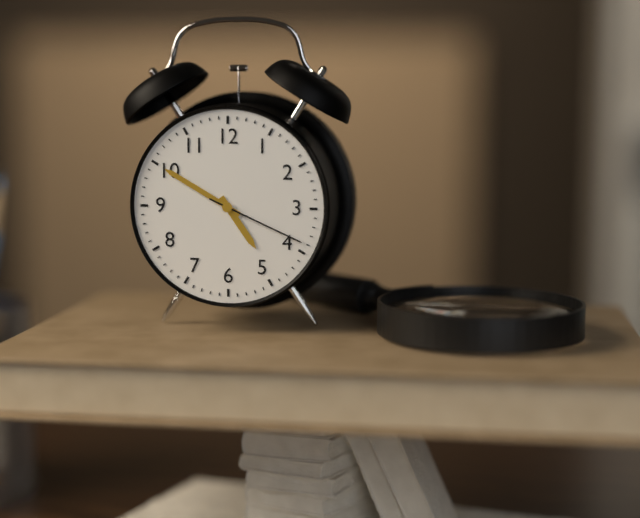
**4:50:19**
